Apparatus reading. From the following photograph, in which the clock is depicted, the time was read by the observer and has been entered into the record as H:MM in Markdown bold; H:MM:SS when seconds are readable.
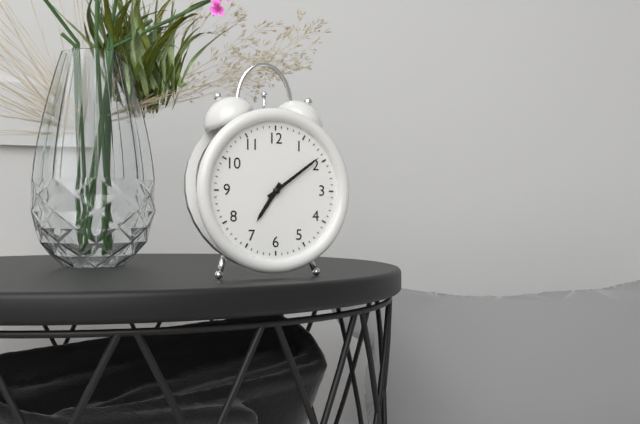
**7:09**
